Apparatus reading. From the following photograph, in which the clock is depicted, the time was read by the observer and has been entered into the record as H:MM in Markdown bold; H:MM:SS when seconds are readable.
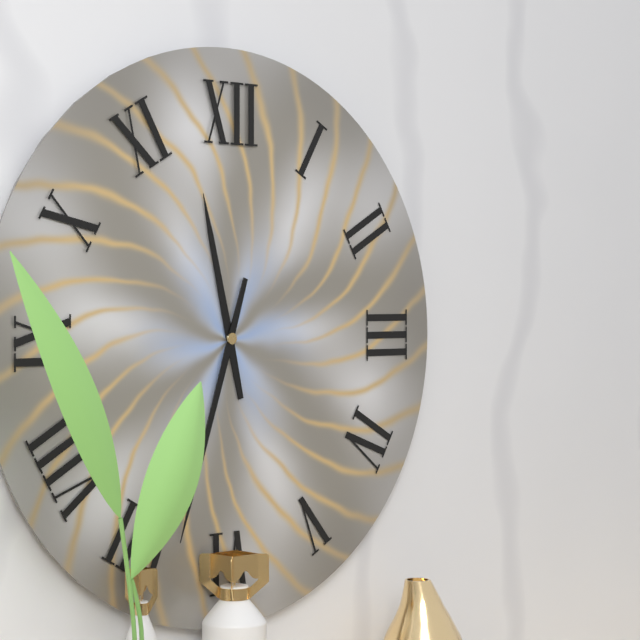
**11:33**
